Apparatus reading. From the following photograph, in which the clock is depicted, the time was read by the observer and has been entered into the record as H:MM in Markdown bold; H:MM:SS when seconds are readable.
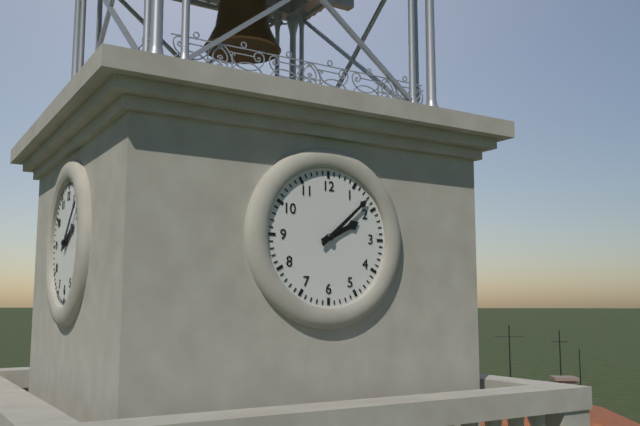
**2:08**
